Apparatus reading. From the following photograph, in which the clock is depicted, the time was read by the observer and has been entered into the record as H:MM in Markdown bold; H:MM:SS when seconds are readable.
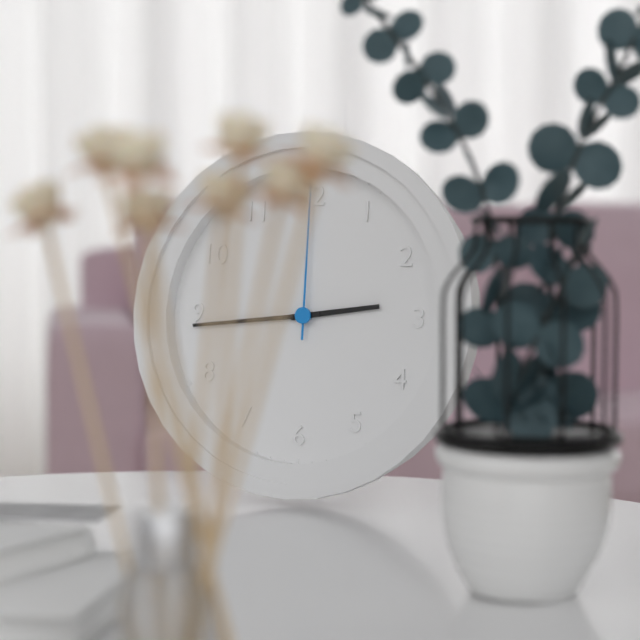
**2:44**
